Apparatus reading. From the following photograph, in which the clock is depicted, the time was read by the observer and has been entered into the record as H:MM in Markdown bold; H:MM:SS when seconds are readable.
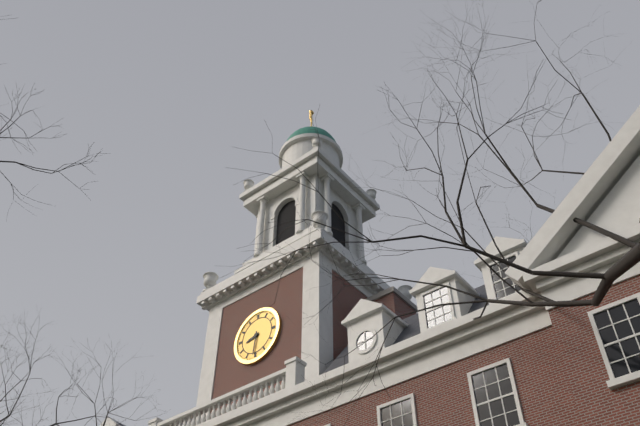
**8:31**
